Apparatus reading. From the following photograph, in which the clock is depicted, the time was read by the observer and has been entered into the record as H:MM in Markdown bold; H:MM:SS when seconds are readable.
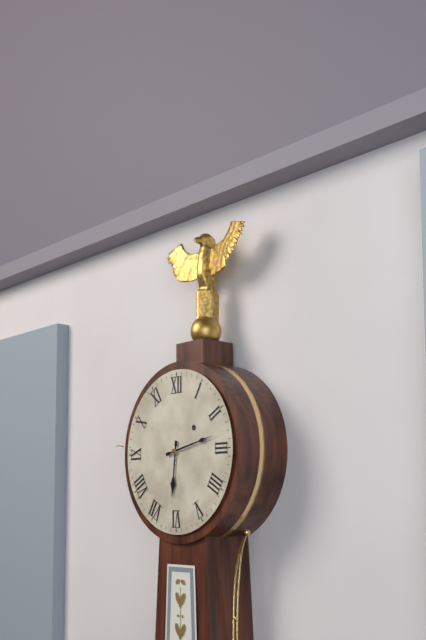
**6:13**
